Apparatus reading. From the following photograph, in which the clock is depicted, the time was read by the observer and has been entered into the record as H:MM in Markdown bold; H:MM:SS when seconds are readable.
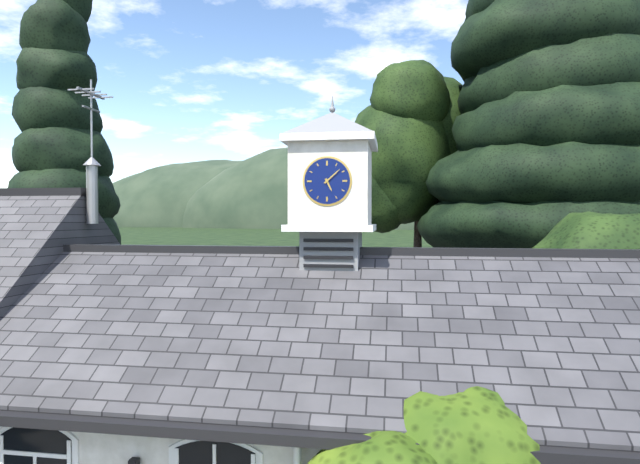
**5:08**
